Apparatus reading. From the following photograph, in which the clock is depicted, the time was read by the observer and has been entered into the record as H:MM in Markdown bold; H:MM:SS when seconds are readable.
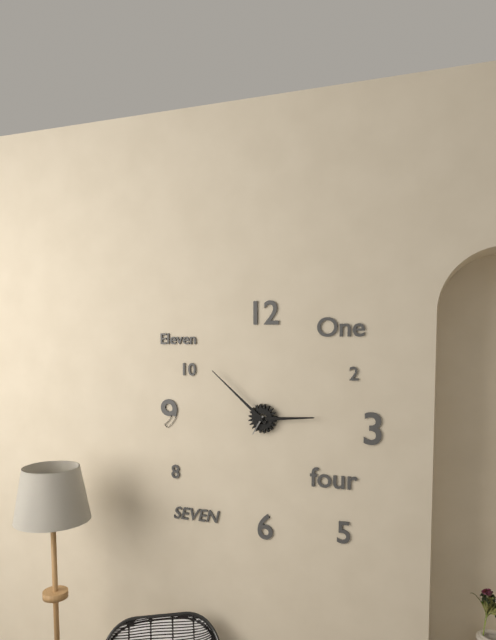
**2:52**
